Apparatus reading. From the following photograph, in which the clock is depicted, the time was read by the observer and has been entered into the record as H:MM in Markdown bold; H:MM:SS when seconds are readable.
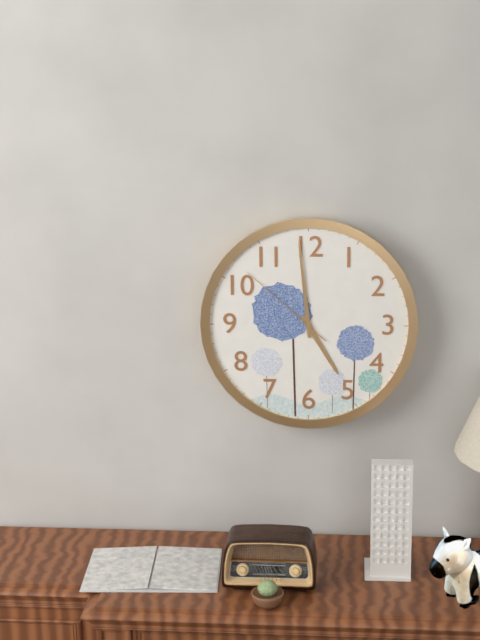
**4:59:52**
